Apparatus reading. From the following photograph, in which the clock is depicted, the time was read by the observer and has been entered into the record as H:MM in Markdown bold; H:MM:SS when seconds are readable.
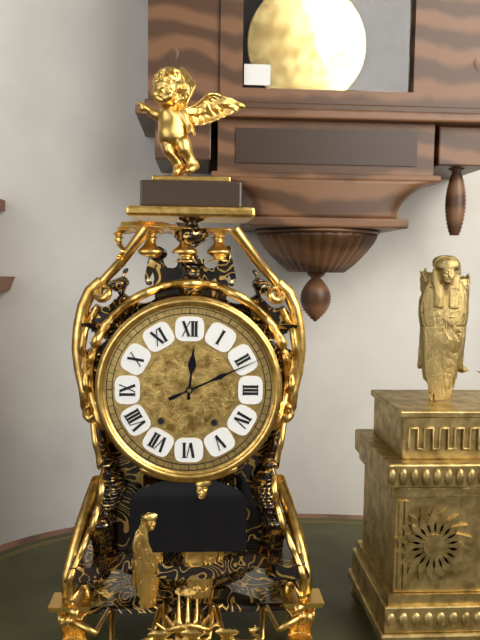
**12:11**
